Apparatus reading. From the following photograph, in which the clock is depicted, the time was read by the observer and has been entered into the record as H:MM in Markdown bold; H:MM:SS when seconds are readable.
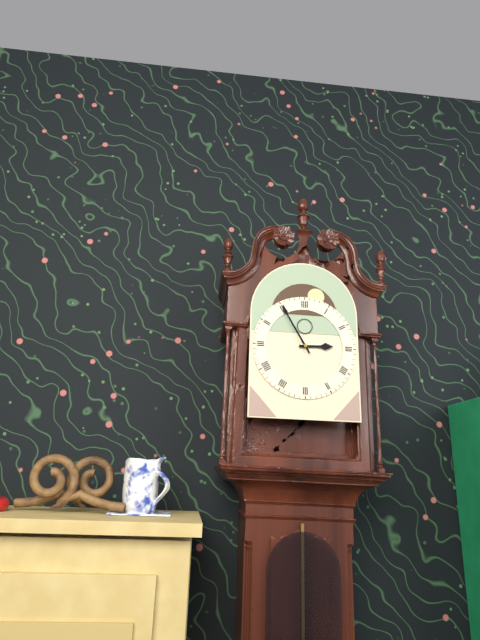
**2:55**
